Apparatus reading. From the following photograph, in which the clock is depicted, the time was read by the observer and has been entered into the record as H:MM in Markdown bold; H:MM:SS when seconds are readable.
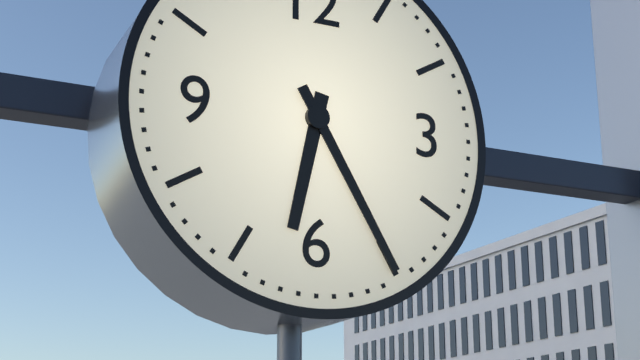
**6:25**
